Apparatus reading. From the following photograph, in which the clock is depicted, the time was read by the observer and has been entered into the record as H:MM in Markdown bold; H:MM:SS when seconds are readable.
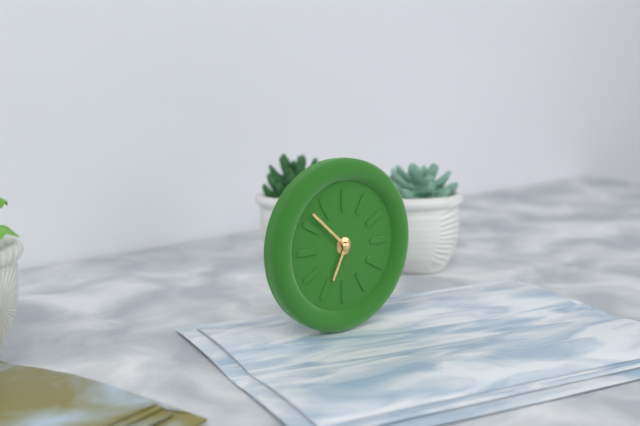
**6:52**
